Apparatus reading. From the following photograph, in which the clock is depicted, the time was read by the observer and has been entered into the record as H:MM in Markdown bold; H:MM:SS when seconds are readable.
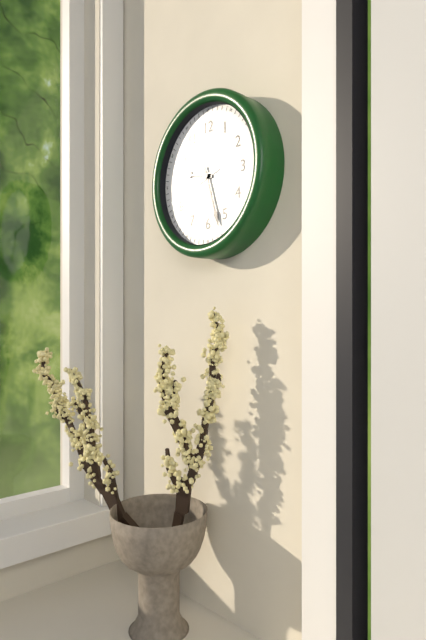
**9:27:42**
